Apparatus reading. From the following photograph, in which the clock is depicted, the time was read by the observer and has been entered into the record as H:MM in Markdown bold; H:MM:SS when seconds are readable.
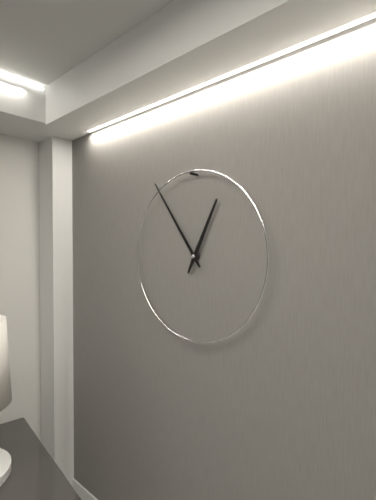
**12:54**
